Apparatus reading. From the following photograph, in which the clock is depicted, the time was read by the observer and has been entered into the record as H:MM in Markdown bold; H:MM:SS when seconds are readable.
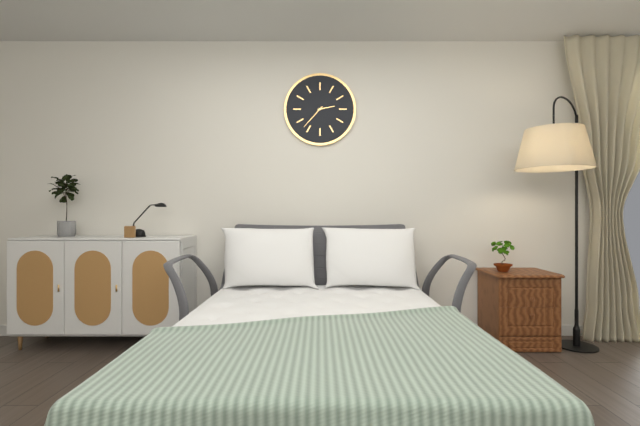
**2:37**
